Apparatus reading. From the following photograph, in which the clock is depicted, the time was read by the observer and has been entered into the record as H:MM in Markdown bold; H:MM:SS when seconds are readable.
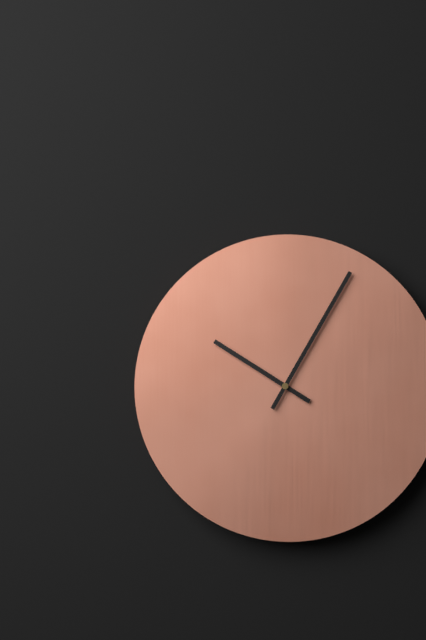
**10:05**
